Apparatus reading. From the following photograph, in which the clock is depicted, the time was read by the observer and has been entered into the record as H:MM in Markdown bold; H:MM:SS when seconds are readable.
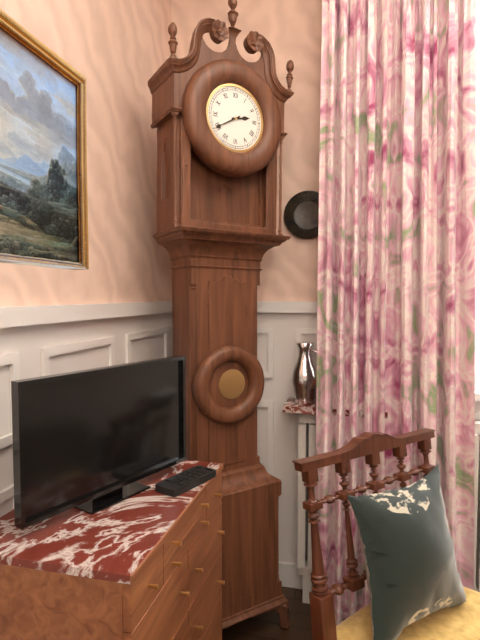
**2:40**
